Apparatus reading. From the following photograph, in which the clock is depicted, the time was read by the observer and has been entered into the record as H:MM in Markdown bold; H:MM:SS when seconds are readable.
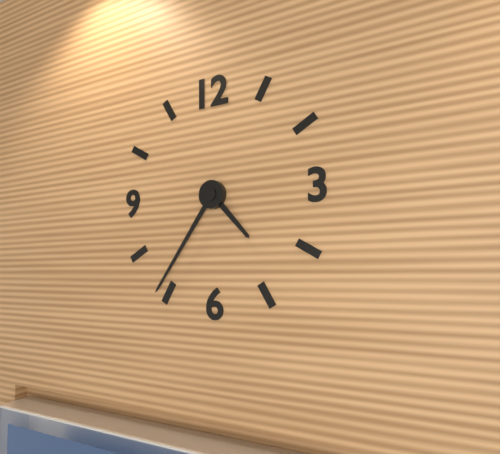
**4:36**
